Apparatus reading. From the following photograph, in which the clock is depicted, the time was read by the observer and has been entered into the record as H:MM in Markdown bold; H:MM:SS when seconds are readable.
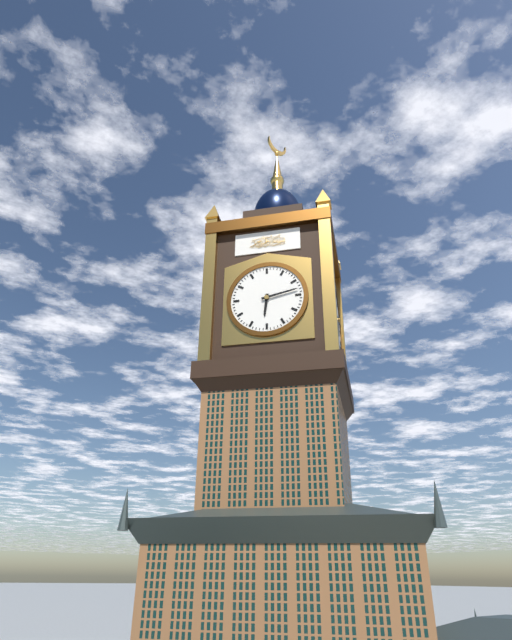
**6:13**
